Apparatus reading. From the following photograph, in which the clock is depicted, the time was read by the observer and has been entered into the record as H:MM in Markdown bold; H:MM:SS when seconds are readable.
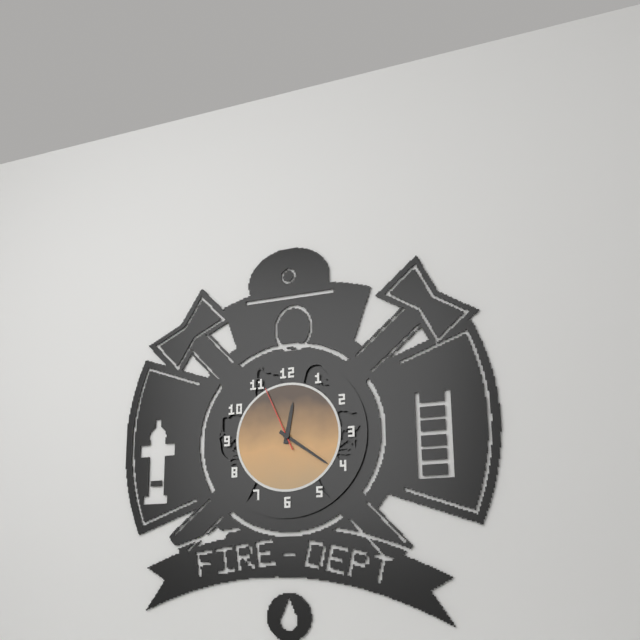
**12:21:56**
